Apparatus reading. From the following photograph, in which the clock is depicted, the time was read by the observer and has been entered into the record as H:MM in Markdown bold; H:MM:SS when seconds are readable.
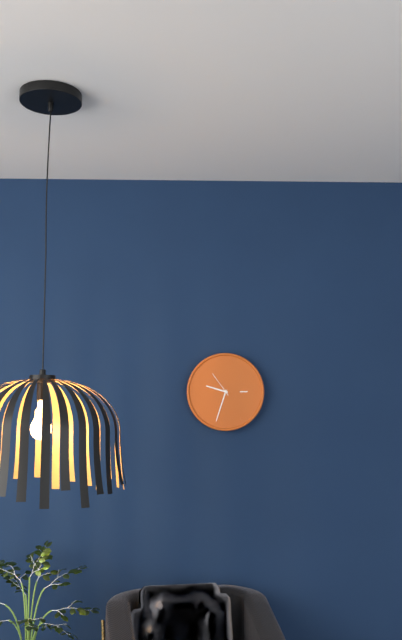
**9:33**
